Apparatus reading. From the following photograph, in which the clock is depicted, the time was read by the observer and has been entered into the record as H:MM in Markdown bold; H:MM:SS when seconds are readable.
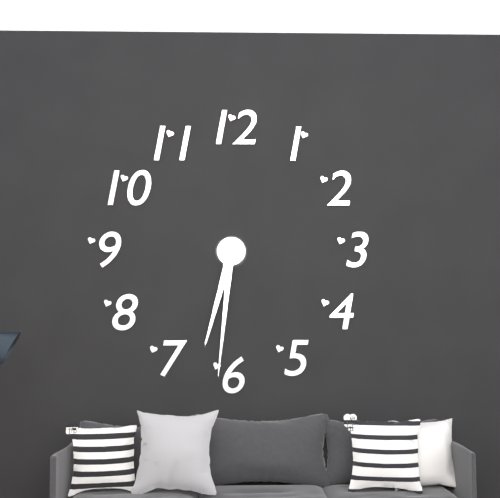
**6:31**
